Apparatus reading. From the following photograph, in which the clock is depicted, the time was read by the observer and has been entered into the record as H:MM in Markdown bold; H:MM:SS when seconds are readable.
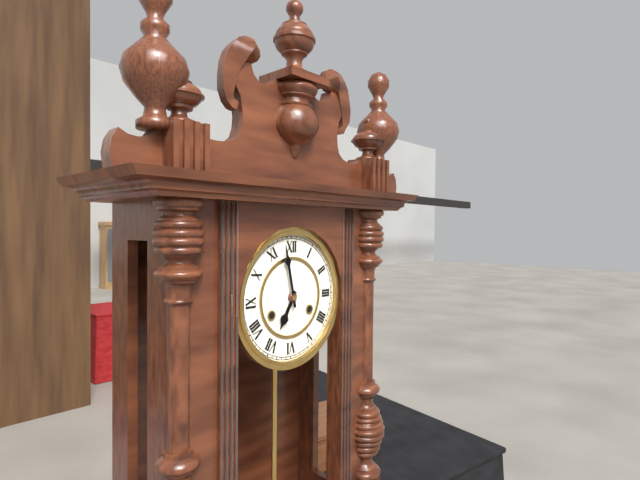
**6:58**
